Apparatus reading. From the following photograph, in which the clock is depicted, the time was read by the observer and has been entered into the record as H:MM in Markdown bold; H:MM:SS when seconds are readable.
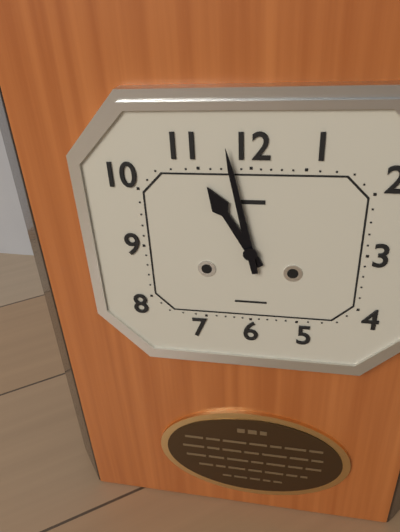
**10:58**
